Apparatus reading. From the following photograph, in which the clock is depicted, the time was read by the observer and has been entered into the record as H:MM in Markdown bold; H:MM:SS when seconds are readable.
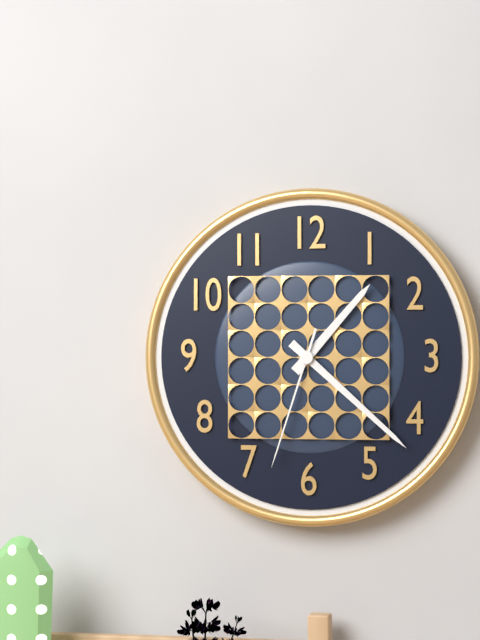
**1:22:33**
